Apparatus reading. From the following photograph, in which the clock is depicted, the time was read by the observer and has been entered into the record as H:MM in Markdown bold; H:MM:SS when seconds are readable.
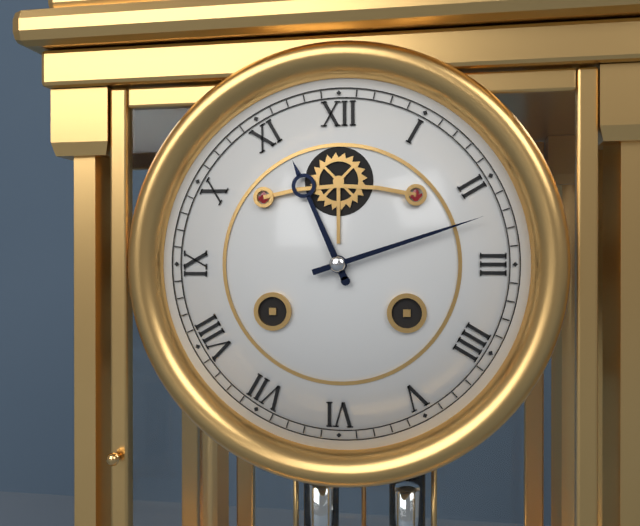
**11:12**
